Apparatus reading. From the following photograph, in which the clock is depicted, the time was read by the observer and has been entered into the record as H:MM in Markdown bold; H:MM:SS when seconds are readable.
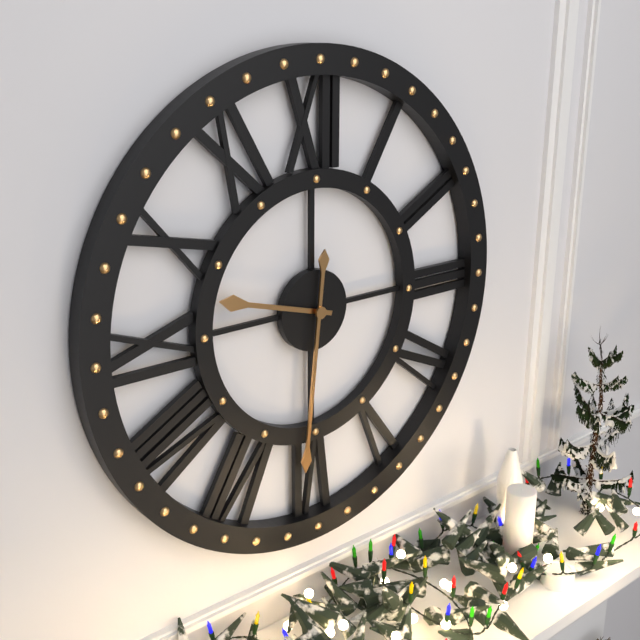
**9:31**
